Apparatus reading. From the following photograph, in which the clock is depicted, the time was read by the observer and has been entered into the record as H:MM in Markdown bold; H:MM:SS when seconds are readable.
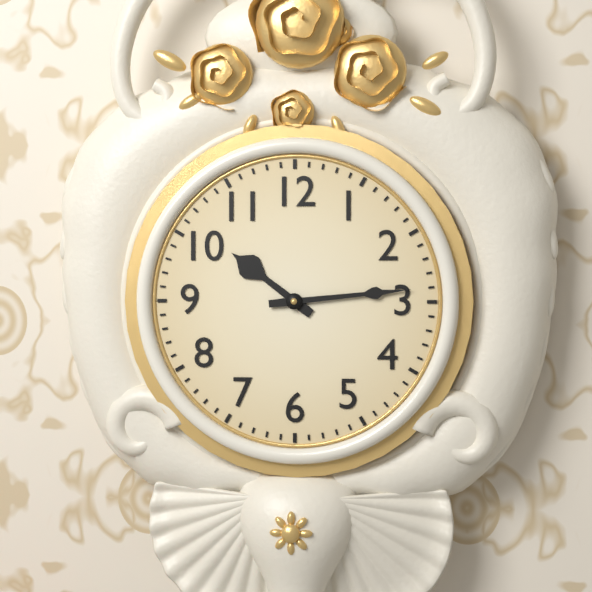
**10:14**
